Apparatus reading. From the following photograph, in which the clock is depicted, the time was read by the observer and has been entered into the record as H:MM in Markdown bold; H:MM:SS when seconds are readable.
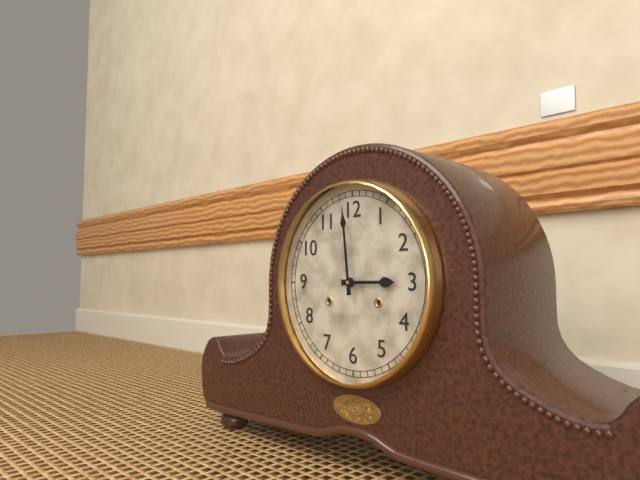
**2:59**
